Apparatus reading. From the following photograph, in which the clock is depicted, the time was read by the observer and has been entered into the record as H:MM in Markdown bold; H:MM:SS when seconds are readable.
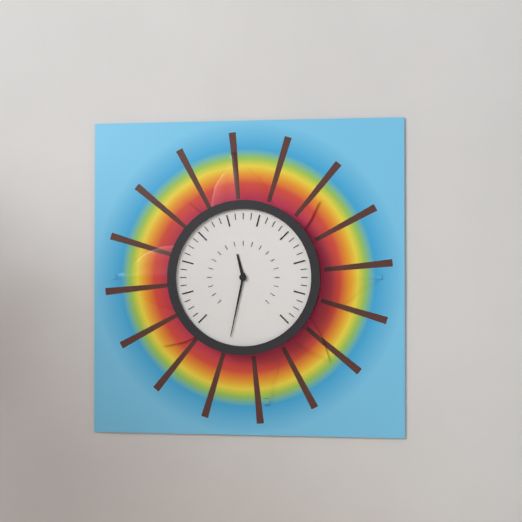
**11:32**
